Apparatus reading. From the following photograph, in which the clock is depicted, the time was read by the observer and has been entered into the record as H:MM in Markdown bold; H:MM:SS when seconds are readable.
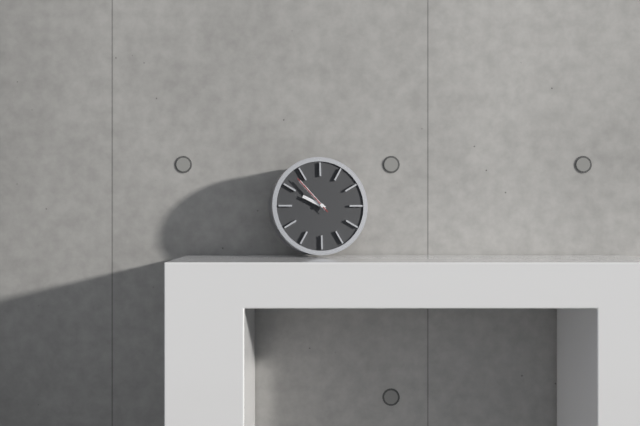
**9:53**
